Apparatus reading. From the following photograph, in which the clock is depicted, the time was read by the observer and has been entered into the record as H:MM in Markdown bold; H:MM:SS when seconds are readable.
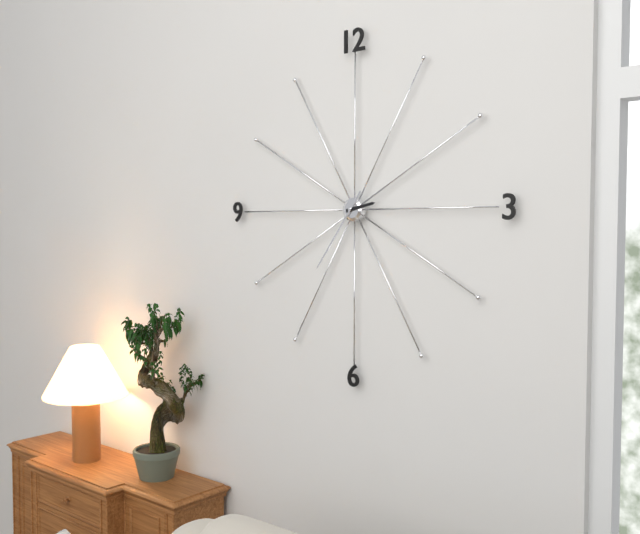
**2:36**
